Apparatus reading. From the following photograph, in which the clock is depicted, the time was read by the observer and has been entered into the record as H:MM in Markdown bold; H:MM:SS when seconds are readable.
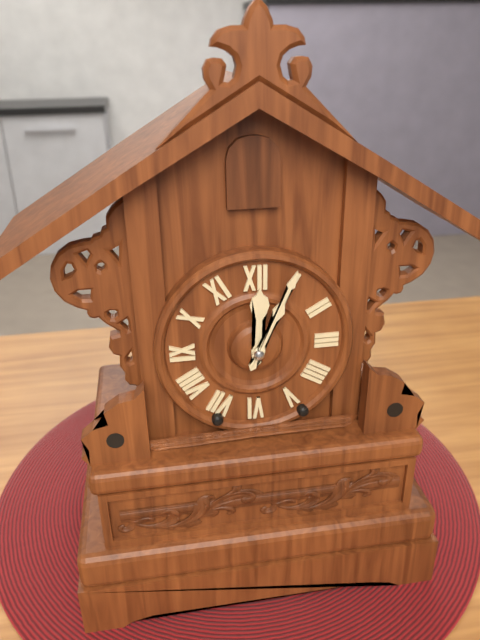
**12:04**
